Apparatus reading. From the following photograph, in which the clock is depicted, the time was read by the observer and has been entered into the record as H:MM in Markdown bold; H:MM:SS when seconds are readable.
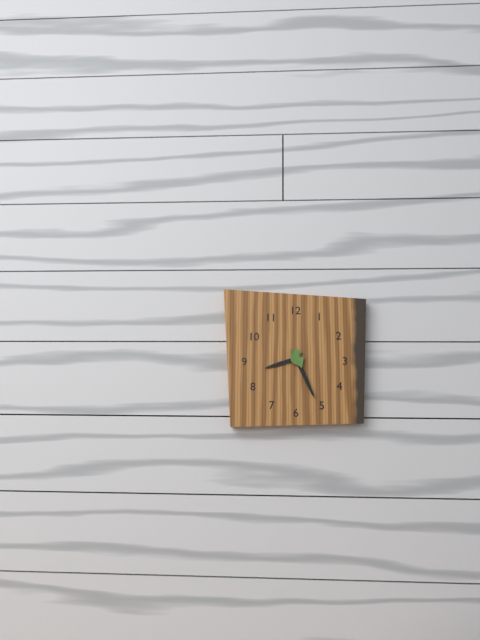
**8:26**
